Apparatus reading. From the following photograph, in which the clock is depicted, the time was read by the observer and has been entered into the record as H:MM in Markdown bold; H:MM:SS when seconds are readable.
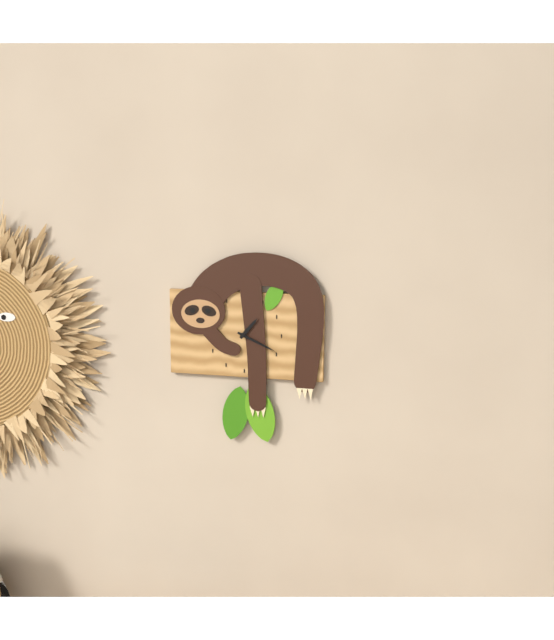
**1:19**
